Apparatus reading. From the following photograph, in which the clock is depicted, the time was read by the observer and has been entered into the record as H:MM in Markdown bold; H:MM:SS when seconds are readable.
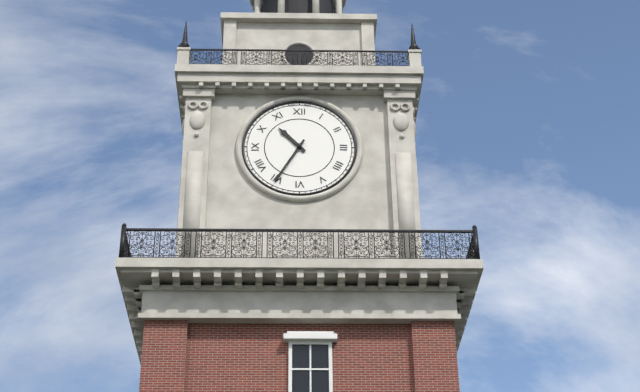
**10:35**
